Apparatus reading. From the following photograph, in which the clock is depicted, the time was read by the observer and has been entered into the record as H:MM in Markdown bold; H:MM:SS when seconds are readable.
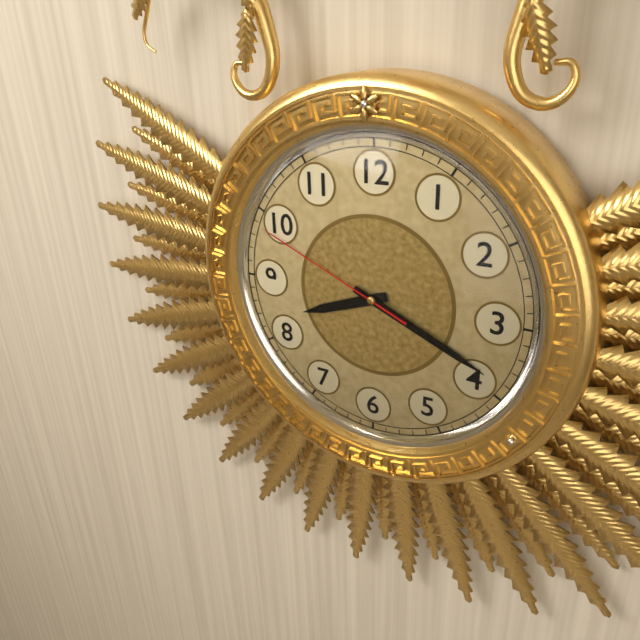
**8:19:49**
